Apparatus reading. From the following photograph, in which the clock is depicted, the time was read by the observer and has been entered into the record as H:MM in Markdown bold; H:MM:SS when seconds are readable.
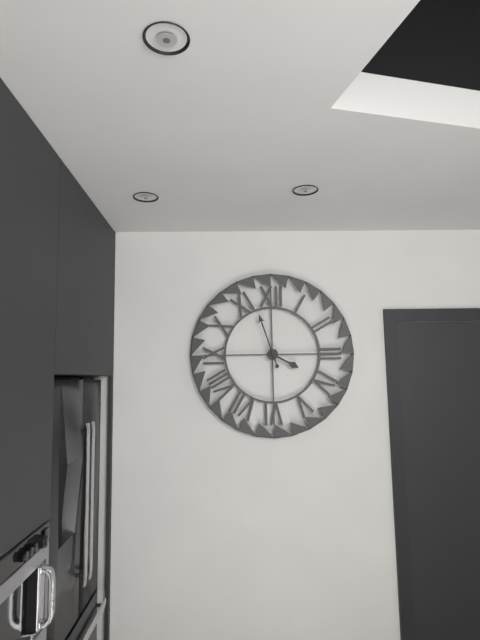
**3:57**
